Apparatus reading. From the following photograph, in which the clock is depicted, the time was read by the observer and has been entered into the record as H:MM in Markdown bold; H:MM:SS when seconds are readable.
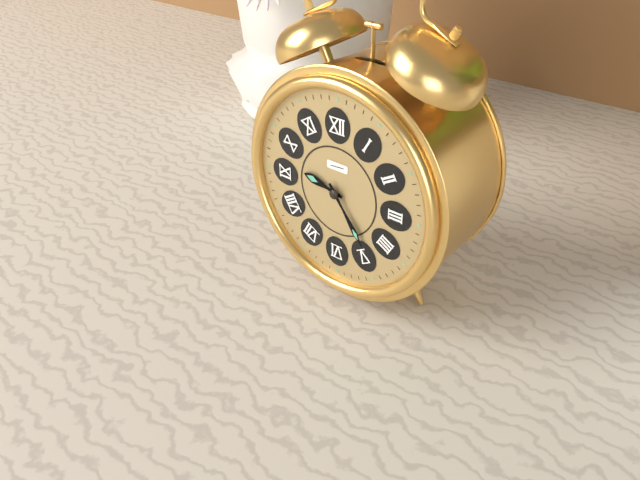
**9:24**
